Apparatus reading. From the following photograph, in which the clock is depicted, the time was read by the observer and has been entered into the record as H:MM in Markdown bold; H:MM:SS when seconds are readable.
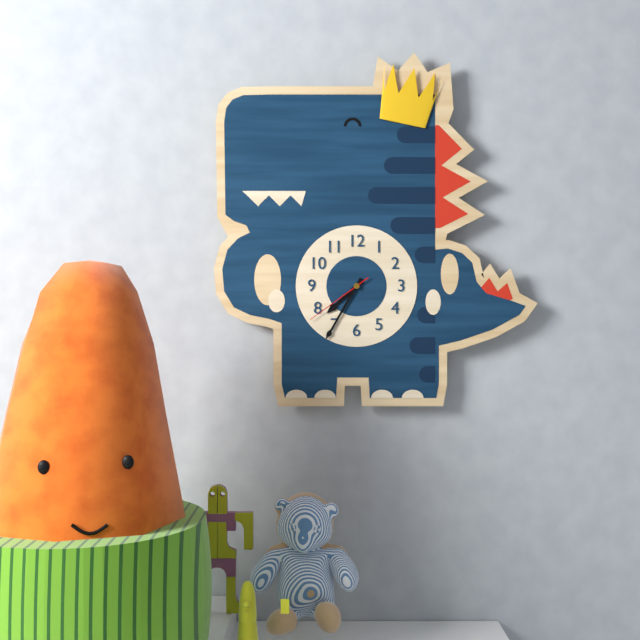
**7:35:39**
